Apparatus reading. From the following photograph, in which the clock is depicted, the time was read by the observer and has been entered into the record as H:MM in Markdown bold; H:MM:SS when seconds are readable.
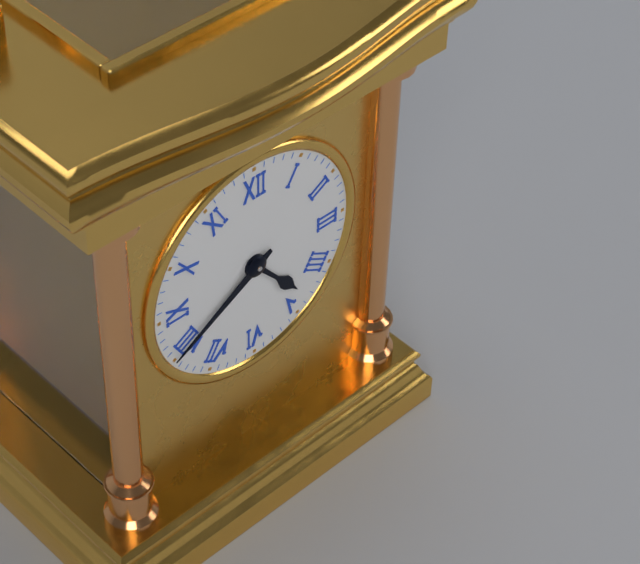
**4:40**
